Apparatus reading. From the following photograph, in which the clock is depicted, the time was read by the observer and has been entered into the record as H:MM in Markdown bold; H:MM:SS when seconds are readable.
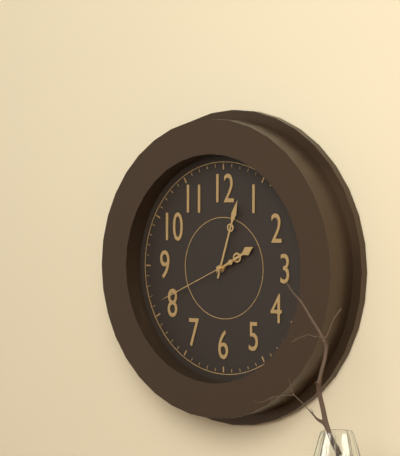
**2:03:41**
